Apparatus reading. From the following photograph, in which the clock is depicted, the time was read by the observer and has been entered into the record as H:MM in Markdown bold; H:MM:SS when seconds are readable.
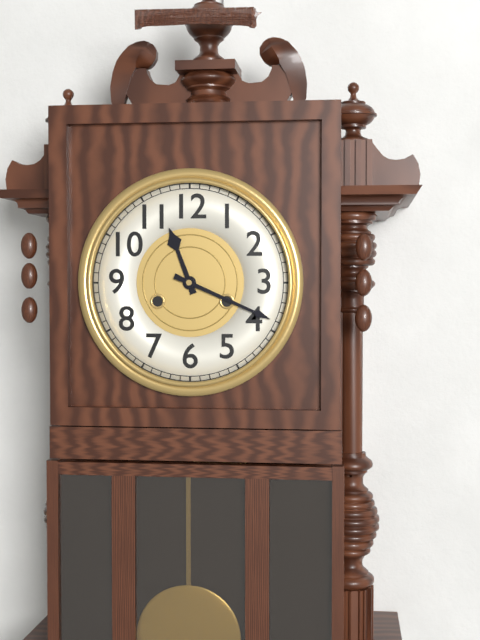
**11:19**
